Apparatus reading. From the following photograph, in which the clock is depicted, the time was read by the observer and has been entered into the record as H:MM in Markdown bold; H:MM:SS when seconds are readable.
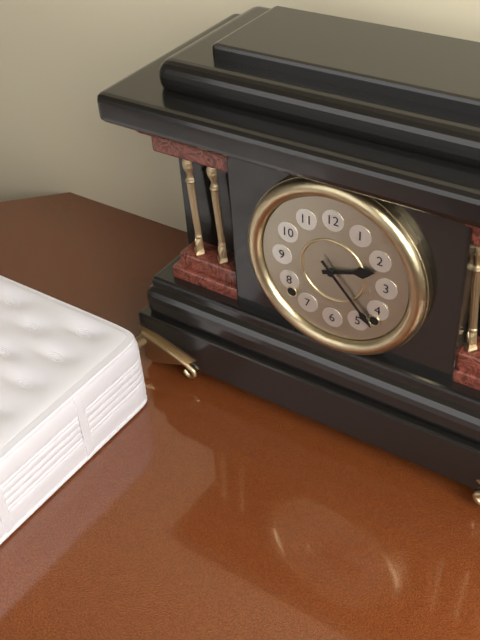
**2:23**
